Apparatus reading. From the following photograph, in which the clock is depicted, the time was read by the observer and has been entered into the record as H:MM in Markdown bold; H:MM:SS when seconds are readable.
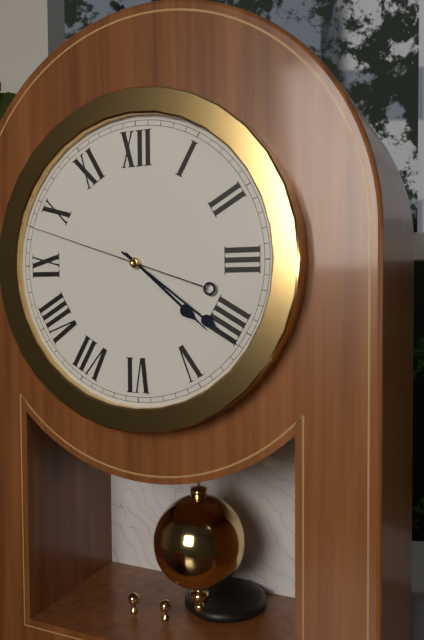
**4:21:48**
